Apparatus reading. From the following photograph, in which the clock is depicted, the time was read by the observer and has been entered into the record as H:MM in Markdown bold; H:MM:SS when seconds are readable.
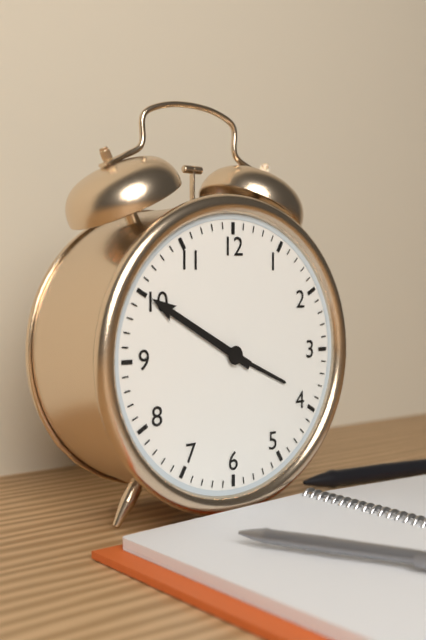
**3:50**
